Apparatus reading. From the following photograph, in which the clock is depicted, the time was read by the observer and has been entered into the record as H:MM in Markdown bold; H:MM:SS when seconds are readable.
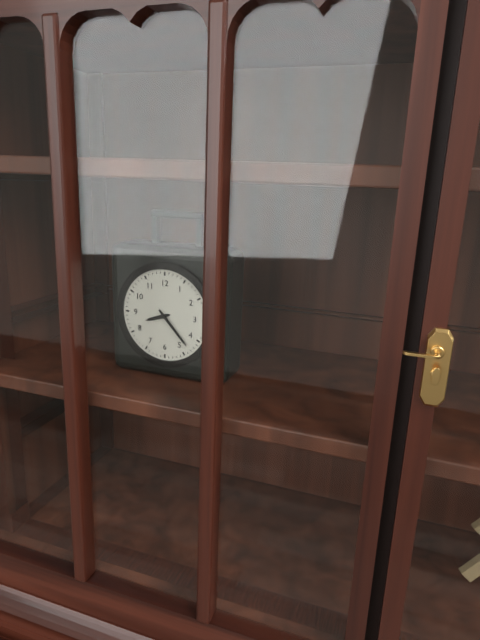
**8:23**
